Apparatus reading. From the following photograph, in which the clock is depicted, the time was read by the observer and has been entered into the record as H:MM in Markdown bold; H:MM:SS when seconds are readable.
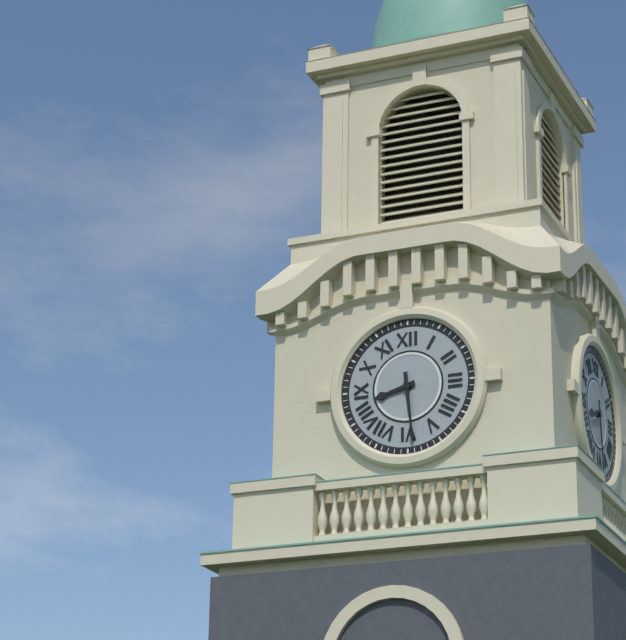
**8:29**
